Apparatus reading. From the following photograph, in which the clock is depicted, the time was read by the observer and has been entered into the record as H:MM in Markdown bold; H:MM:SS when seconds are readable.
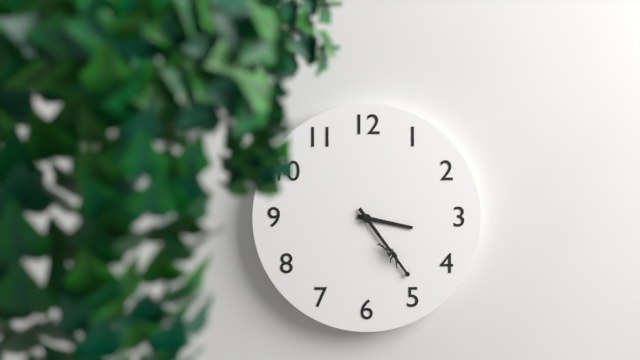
**3:24**
